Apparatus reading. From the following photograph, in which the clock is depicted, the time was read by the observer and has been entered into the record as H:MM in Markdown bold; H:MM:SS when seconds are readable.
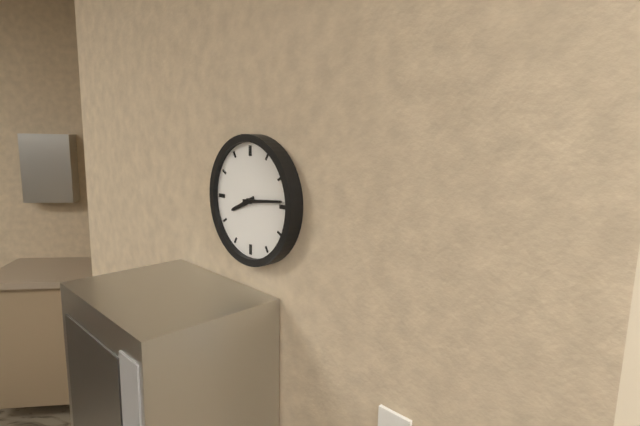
**8:14**
